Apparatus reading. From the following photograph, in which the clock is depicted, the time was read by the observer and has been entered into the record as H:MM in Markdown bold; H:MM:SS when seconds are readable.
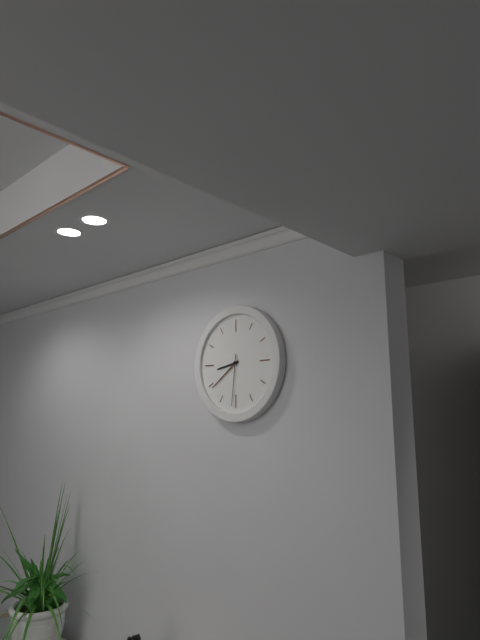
**8:39:31**
